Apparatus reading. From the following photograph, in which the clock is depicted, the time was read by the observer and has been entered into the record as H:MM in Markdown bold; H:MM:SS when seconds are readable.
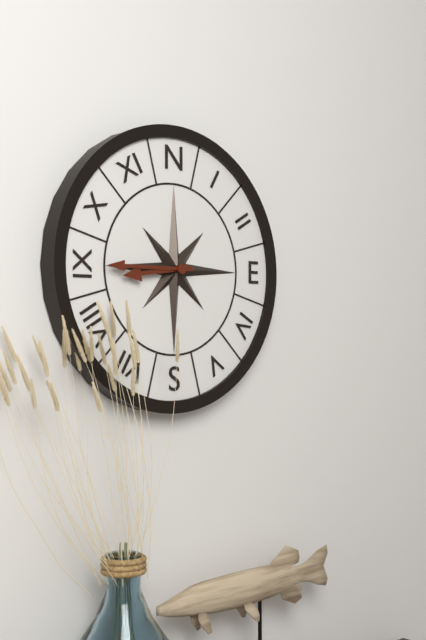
**8:45**
